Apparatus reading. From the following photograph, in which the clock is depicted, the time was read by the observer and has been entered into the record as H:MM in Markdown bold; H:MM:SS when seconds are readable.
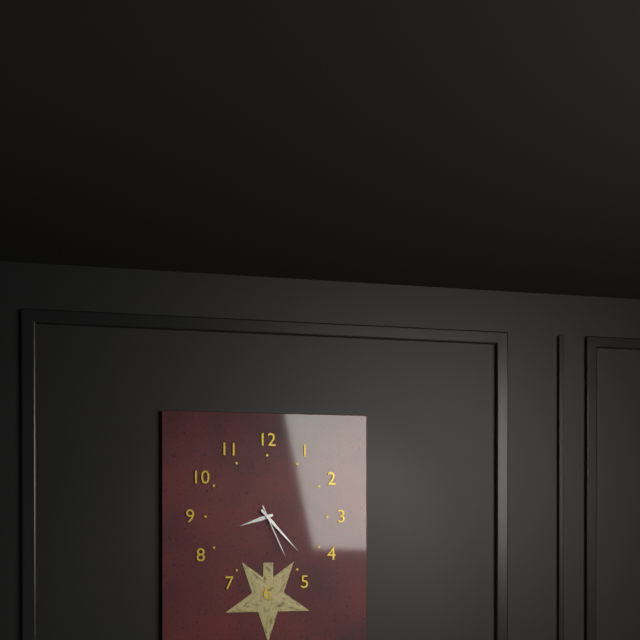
**8:23:26**
